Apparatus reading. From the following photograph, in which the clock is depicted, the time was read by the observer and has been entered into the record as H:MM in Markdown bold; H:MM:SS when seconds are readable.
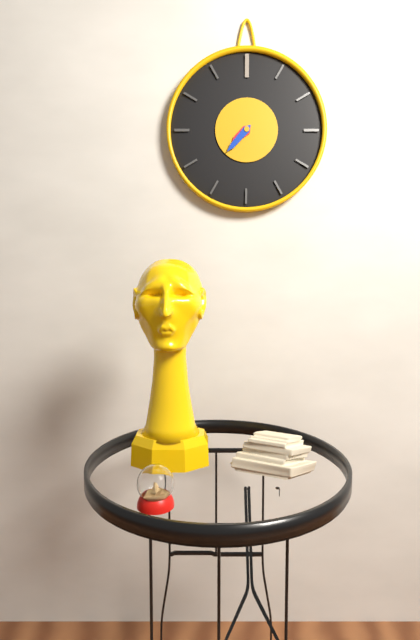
**7:37**
